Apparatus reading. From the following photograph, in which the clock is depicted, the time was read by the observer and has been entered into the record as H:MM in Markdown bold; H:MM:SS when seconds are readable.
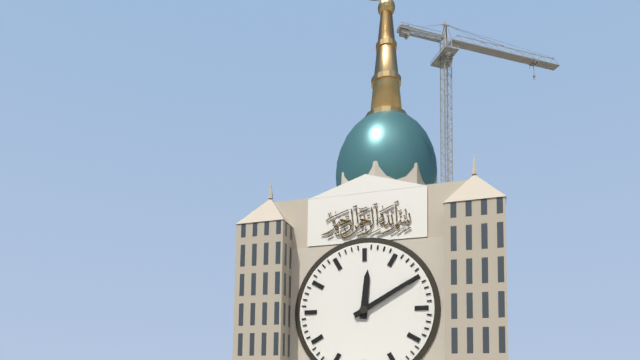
**12:10**
